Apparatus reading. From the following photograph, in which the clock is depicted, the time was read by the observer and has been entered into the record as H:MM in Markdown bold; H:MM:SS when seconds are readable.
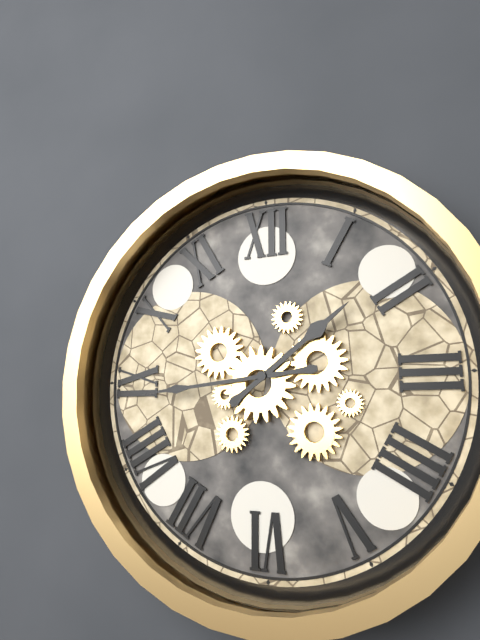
**1:44**
